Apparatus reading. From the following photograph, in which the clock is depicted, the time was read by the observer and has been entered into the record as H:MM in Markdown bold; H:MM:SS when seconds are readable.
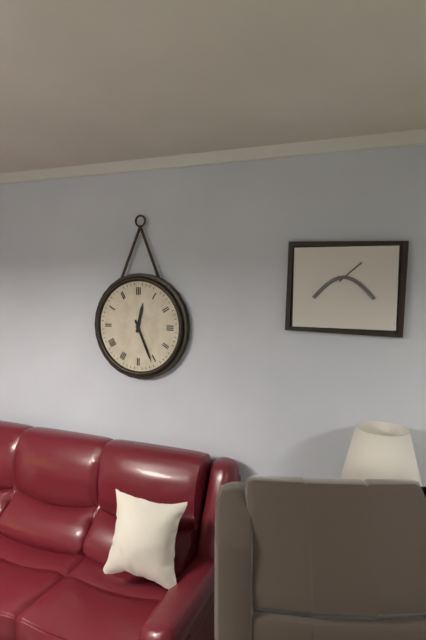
**12:26**
